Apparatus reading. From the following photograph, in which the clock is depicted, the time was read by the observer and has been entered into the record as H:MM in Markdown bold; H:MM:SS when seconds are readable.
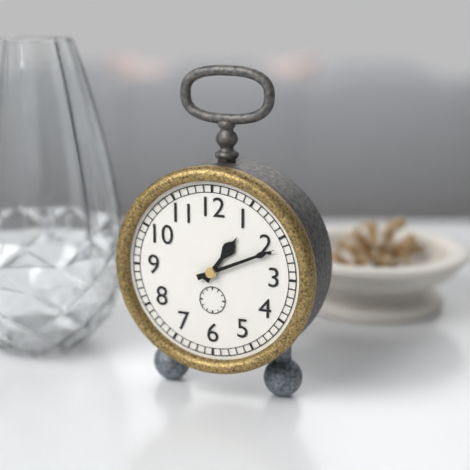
**1:11**
